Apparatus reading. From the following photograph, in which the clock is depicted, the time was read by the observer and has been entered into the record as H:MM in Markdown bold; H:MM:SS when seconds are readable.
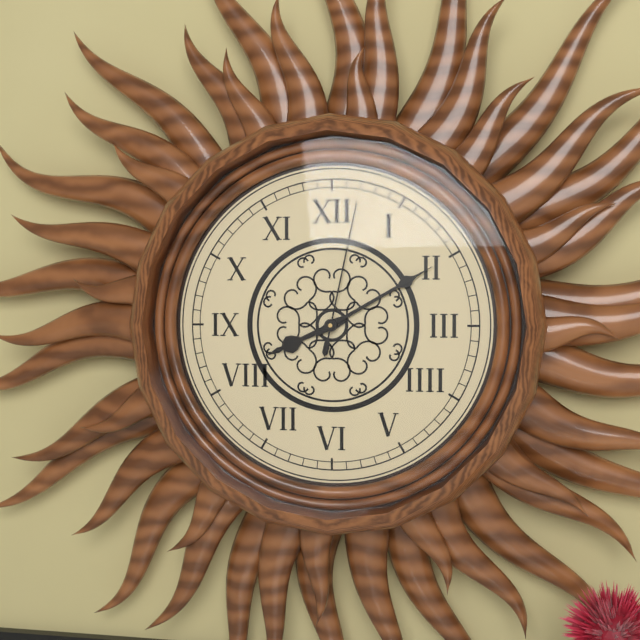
**8:10:02**
